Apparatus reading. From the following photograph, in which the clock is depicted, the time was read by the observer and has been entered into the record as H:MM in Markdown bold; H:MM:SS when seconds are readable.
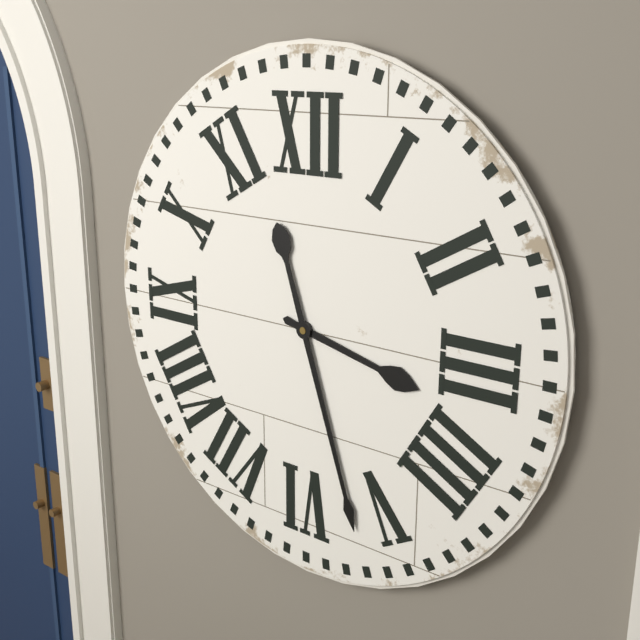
**3:27**
